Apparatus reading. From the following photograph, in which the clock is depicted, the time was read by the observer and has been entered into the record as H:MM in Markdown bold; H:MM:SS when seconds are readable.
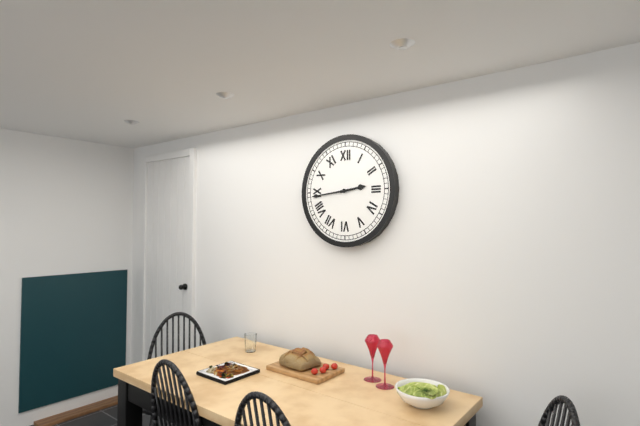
**2:44**
